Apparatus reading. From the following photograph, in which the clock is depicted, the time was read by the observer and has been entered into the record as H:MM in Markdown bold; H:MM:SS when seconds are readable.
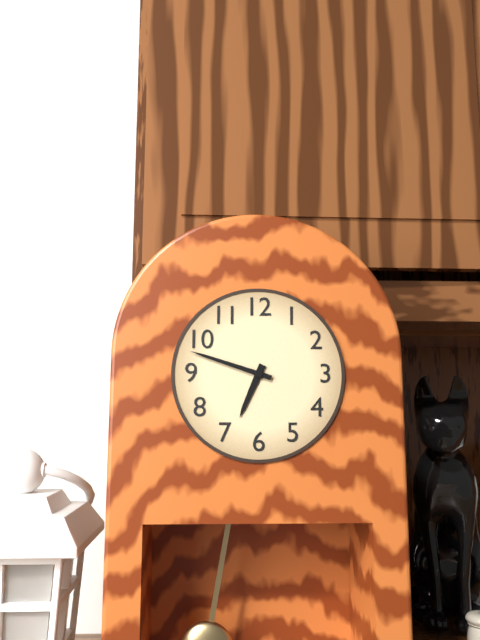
**6:48**
